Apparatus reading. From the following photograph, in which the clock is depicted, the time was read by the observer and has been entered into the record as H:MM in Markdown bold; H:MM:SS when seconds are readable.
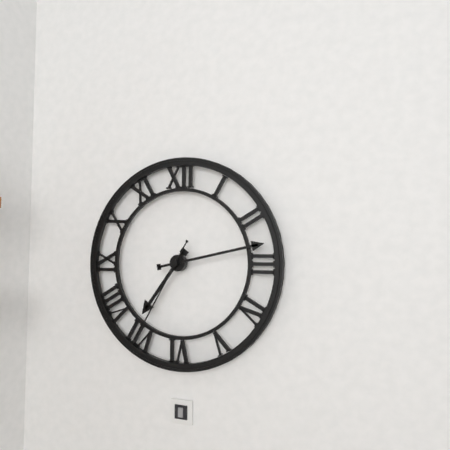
**7:13:35**
